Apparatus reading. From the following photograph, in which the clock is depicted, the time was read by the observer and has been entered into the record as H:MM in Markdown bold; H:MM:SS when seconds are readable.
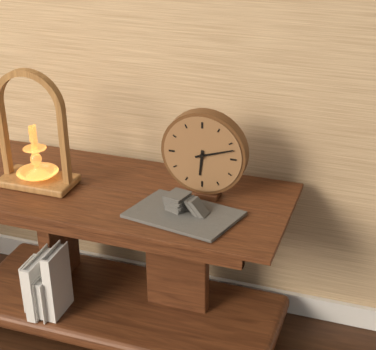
**6:12**
